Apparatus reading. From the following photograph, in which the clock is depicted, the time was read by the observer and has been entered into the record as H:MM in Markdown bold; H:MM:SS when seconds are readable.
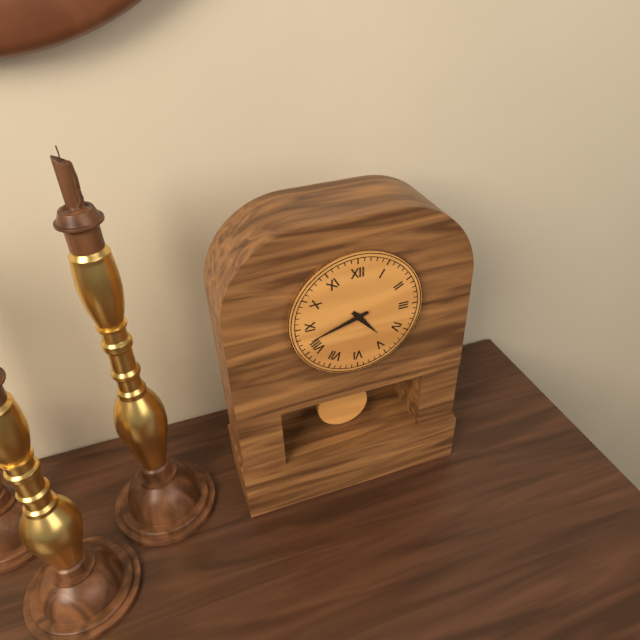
**4:42**
